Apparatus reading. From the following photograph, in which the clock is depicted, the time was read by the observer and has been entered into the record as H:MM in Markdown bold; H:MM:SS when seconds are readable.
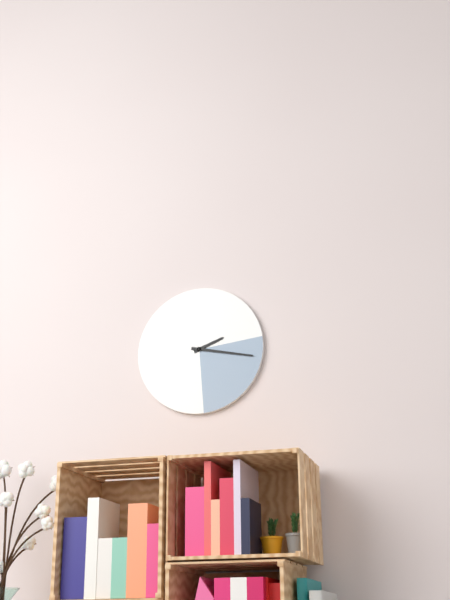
**2:17**
